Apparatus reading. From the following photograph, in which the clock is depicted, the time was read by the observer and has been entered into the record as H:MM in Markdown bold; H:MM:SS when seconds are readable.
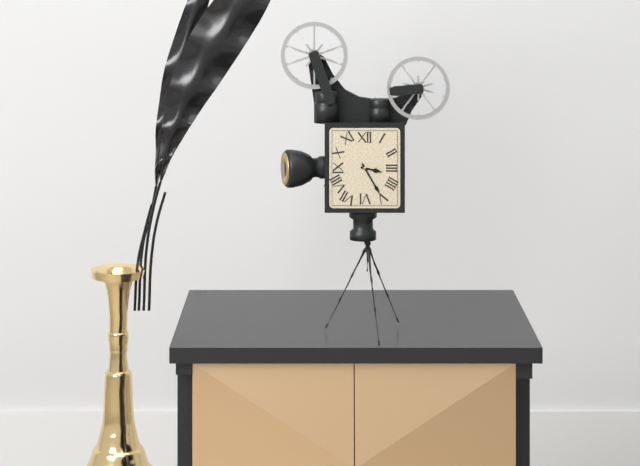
**3:25**
